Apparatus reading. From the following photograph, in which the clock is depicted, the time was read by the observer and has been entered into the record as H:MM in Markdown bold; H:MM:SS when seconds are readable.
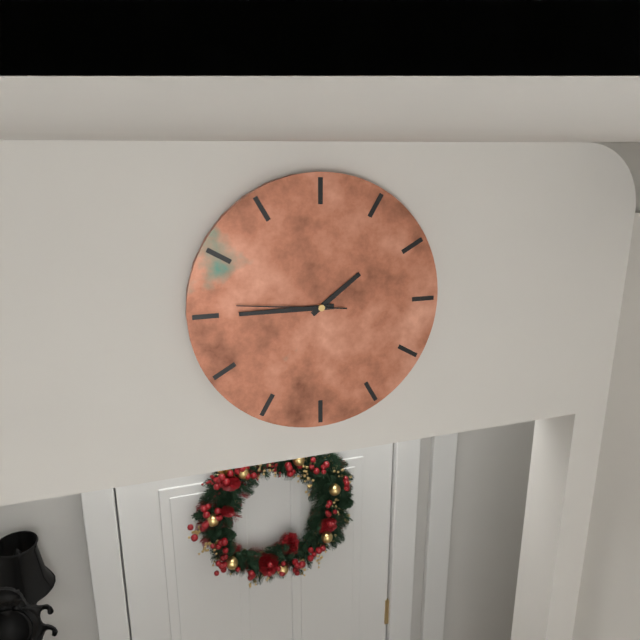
**1:45:46**
